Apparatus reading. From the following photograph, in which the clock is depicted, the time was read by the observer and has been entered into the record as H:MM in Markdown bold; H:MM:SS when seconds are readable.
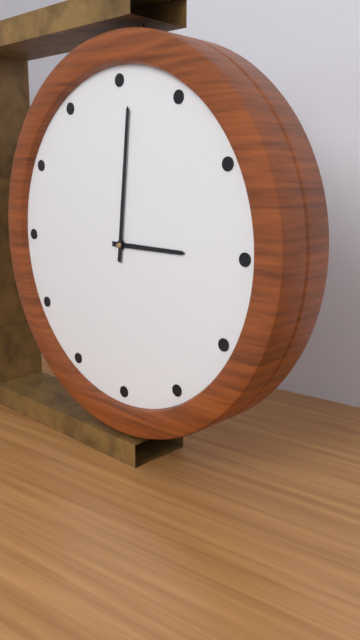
**3:01**
